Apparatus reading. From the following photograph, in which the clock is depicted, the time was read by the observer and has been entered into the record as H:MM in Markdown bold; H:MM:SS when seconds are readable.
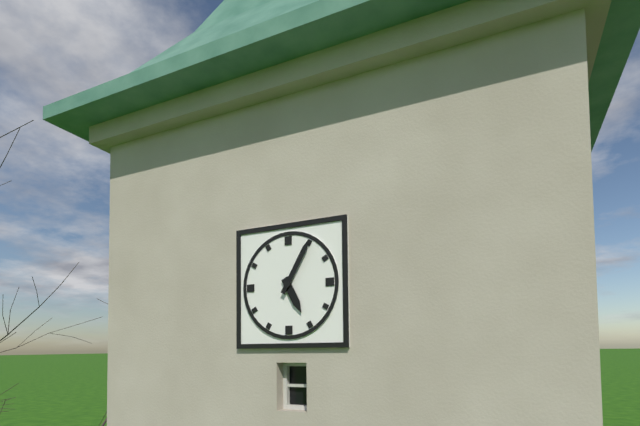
**5:05**
